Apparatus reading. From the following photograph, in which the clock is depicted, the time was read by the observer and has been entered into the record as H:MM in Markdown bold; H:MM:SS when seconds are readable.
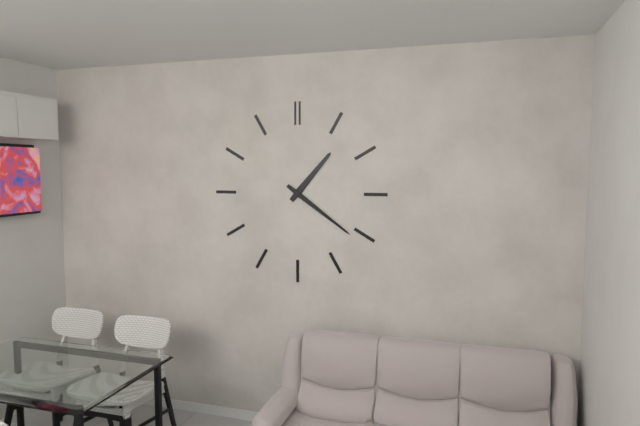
**1:21**
